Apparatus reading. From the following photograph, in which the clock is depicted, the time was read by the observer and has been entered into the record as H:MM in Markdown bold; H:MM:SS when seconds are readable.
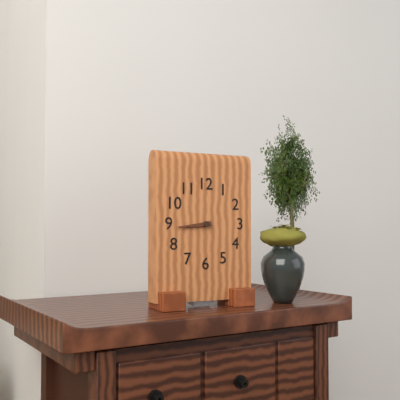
**8:44**
